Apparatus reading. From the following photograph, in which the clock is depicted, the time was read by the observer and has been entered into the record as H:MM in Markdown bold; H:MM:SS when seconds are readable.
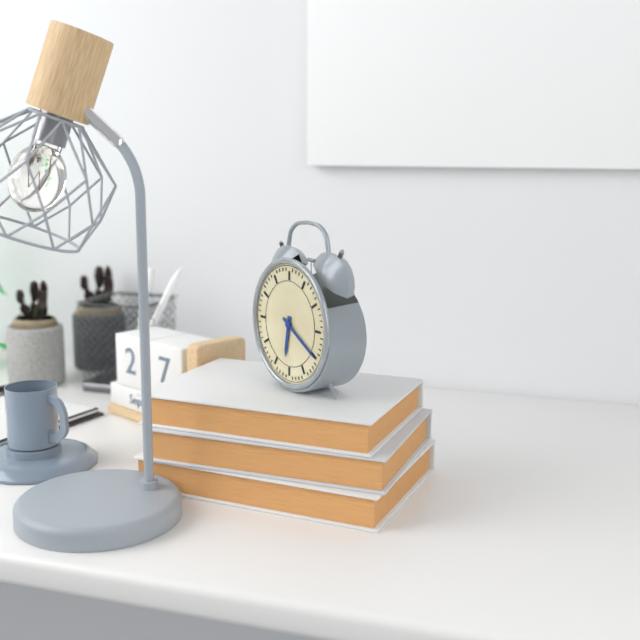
**6:20**
